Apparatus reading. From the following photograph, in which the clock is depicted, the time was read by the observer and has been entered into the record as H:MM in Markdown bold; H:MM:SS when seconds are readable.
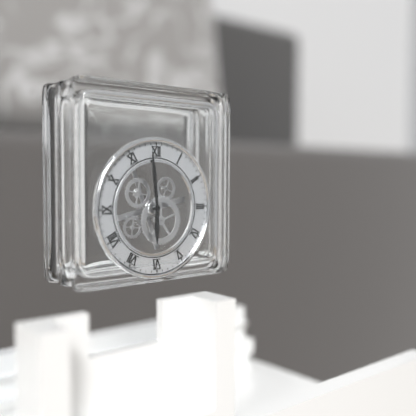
**5:59**
